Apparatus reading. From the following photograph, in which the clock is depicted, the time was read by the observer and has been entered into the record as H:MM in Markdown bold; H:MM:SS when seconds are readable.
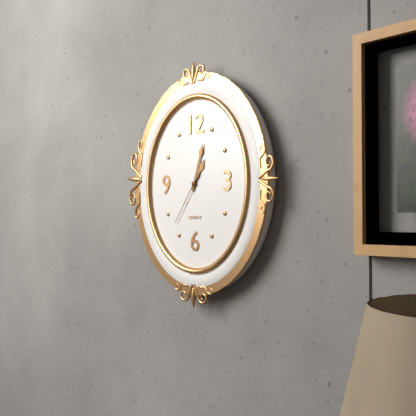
**1:03:36**
